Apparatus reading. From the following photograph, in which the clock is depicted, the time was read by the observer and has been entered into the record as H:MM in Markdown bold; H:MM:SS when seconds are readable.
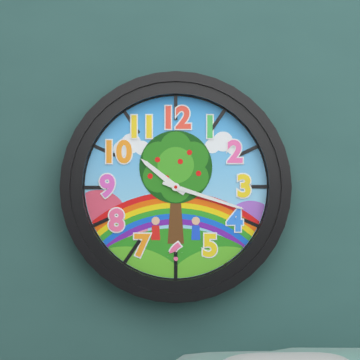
**10:18**
